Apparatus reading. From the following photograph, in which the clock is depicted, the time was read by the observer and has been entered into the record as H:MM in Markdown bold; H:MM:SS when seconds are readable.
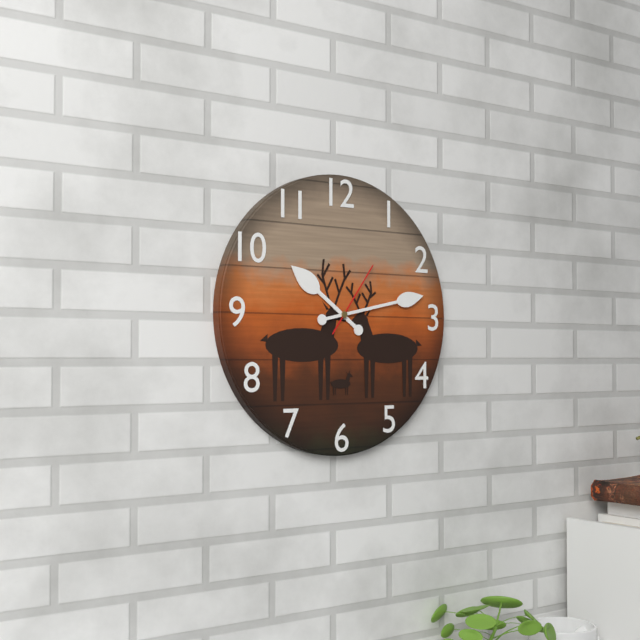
**10:13:06**
